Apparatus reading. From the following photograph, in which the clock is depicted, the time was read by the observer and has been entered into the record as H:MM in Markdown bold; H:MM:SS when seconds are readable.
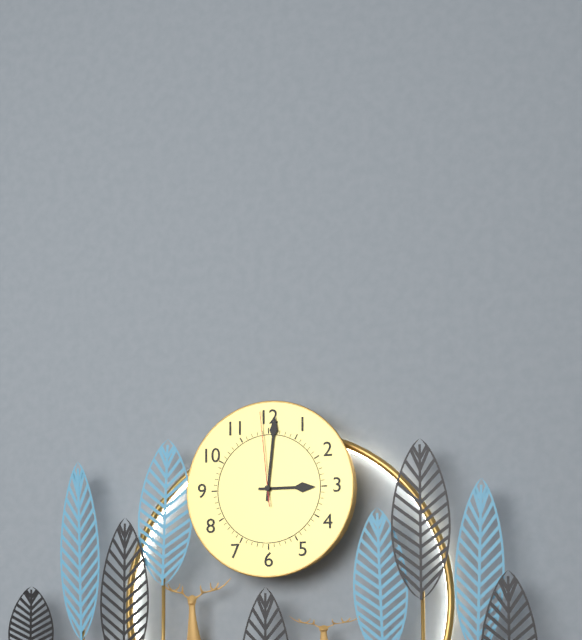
**3:01:59**
